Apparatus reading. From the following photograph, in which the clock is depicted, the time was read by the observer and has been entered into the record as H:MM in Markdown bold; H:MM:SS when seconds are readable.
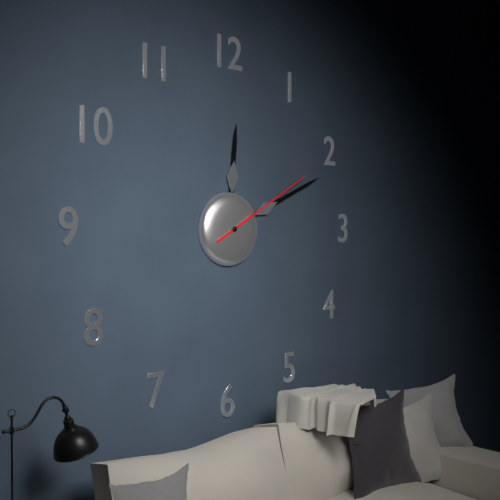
**12:11:10**
